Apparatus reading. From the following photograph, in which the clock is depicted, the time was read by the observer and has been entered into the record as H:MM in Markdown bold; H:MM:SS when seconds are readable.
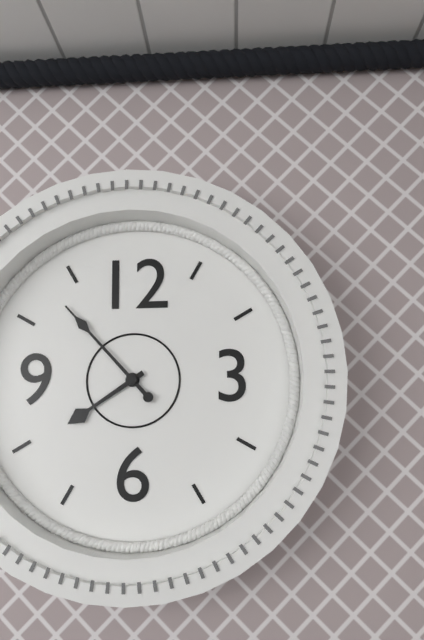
**7:53**
